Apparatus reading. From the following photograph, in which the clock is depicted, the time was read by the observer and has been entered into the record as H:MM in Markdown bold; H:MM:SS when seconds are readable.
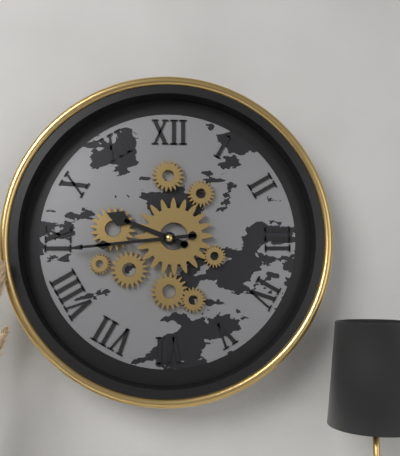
**9:44**
